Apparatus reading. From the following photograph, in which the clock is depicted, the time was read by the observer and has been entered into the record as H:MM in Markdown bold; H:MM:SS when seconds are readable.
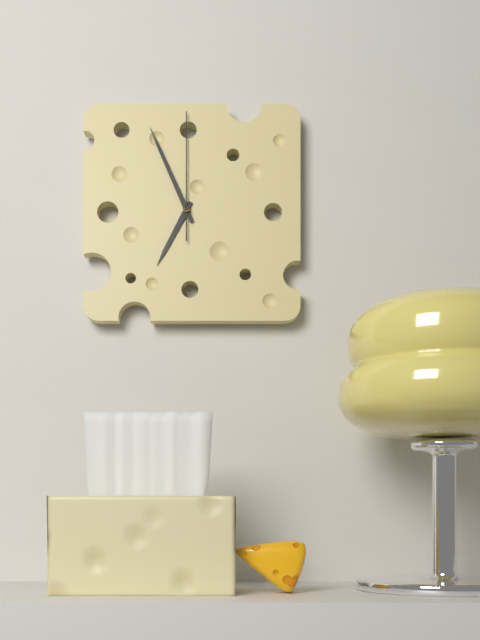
**6:56:00**
